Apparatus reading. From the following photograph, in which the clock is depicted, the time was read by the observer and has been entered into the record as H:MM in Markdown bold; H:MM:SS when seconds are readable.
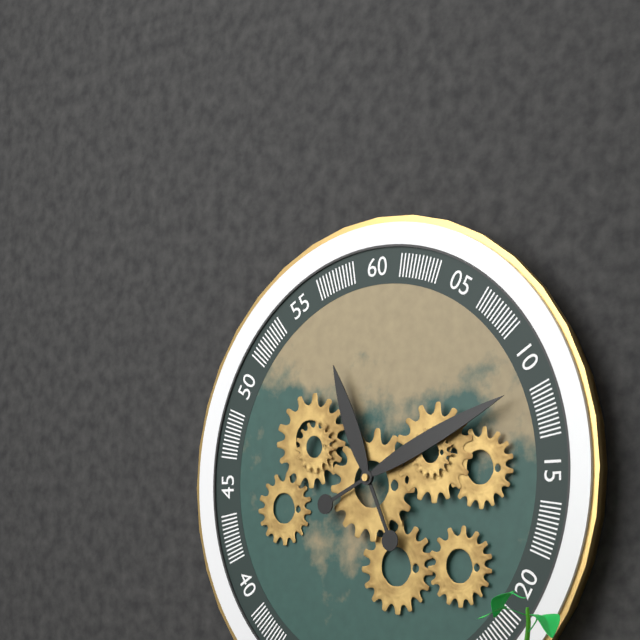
**11:11**
